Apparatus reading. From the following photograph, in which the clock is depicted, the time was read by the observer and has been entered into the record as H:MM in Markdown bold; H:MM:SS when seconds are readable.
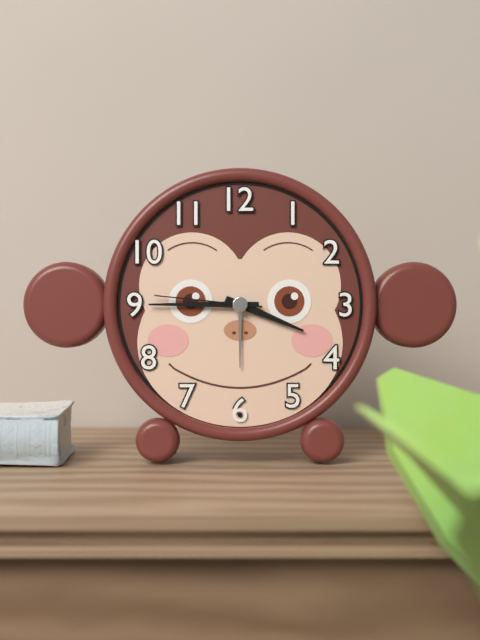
**3:45:46**
